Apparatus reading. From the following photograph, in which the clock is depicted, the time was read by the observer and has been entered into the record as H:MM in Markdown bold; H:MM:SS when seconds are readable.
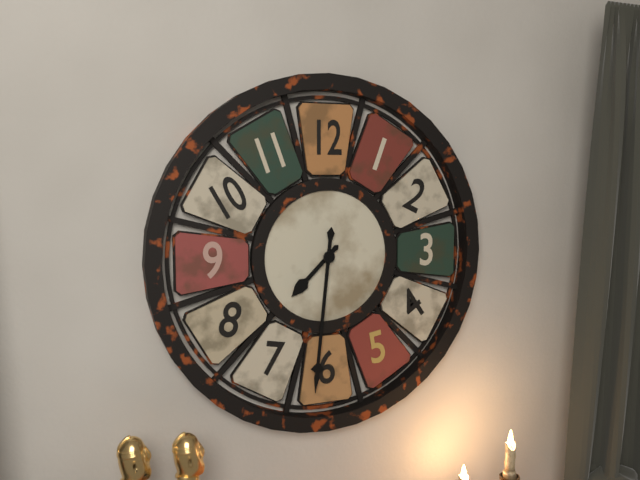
**7:31**
